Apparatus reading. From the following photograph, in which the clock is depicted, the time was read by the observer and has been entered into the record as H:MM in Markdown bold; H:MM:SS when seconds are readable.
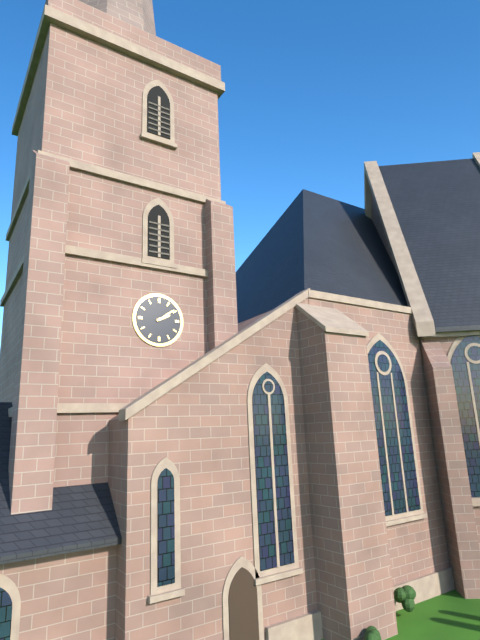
**2:09**
